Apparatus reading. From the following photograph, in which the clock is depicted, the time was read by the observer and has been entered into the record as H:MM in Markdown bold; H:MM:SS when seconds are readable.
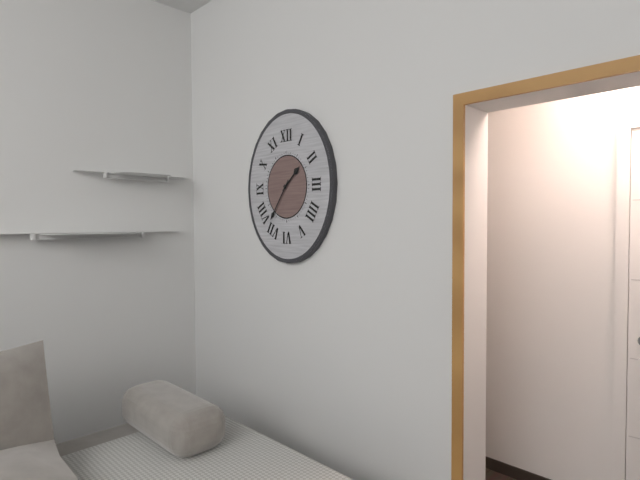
**1:36**
